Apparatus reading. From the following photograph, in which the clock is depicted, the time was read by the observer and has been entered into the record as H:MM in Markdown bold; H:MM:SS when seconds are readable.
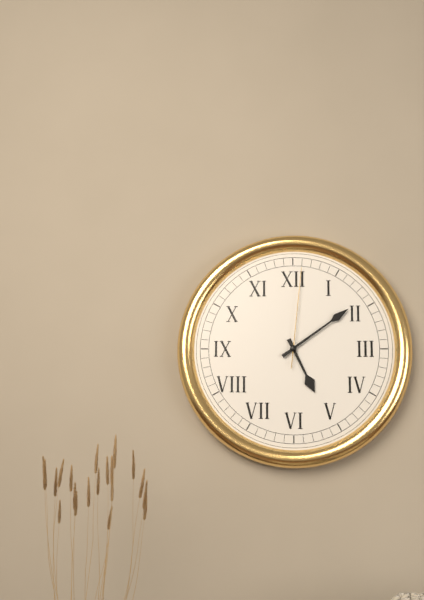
**5:09:01**
